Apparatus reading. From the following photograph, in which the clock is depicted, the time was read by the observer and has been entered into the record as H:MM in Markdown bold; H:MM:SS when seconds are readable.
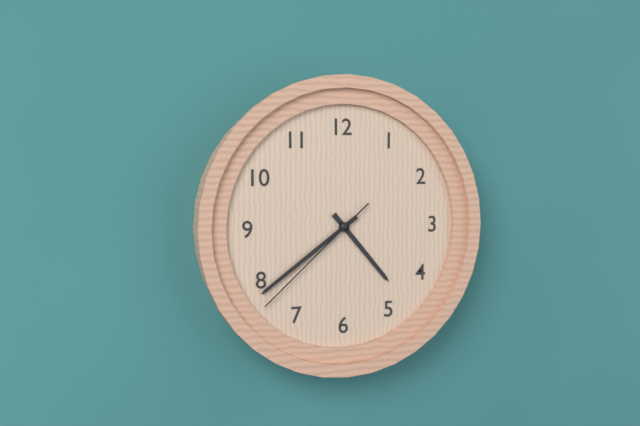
**4:39:38**
